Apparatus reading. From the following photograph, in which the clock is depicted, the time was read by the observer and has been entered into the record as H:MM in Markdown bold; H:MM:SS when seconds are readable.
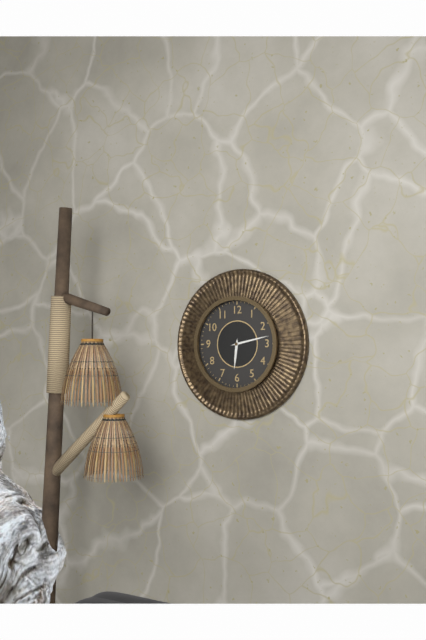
**6:13**
